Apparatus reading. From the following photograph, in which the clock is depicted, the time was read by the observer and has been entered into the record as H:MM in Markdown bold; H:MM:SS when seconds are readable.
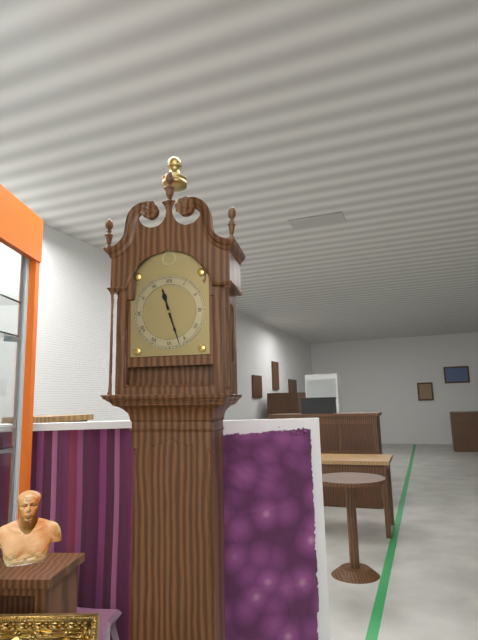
**11:27**
